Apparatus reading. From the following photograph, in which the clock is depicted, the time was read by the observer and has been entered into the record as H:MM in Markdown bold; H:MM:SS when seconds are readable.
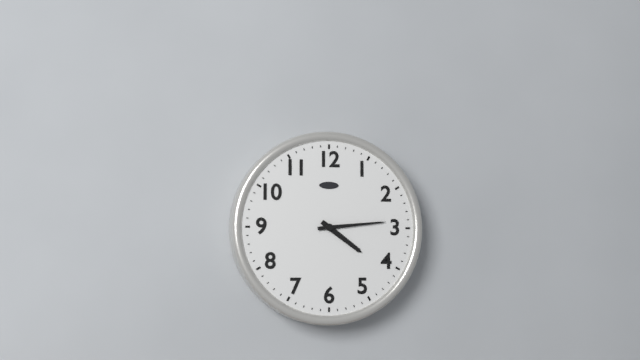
**4:14**
